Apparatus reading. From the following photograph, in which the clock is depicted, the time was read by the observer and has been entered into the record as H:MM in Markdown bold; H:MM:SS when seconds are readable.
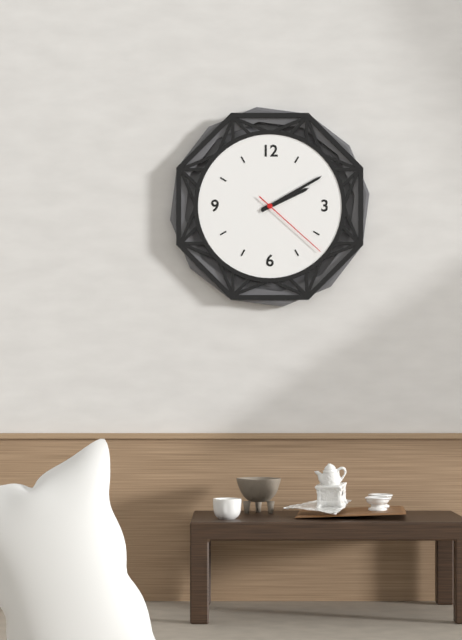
**2:10:22**
